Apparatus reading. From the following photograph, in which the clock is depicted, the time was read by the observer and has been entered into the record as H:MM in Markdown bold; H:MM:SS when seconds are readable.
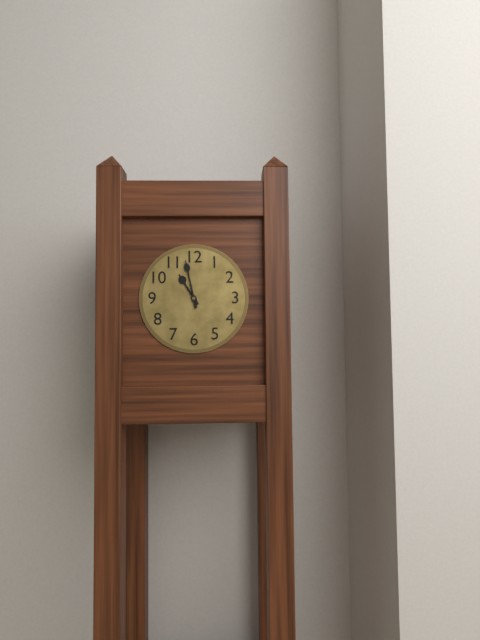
**10:58**
